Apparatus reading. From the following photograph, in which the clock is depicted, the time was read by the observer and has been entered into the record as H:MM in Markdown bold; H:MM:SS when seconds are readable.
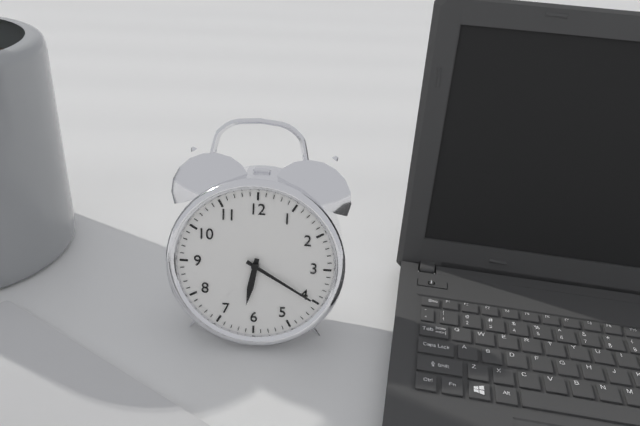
**6:20**
